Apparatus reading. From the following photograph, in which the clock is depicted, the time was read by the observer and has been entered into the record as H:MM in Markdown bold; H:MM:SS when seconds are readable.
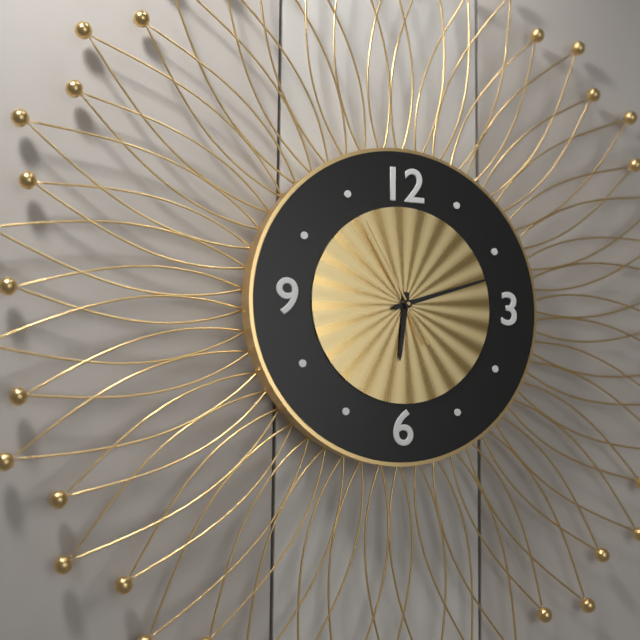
**6:12:55**
